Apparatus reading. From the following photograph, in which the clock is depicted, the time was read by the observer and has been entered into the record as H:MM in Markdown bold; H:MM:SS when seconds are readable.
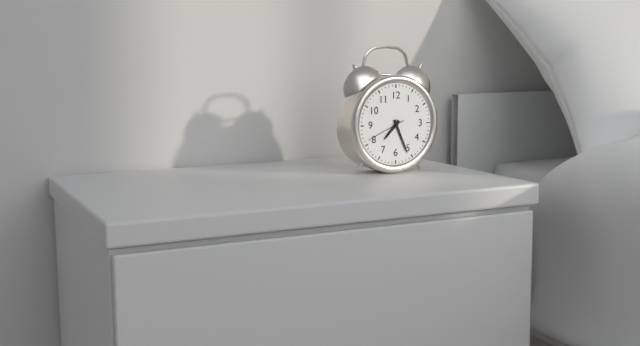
**7:26**
